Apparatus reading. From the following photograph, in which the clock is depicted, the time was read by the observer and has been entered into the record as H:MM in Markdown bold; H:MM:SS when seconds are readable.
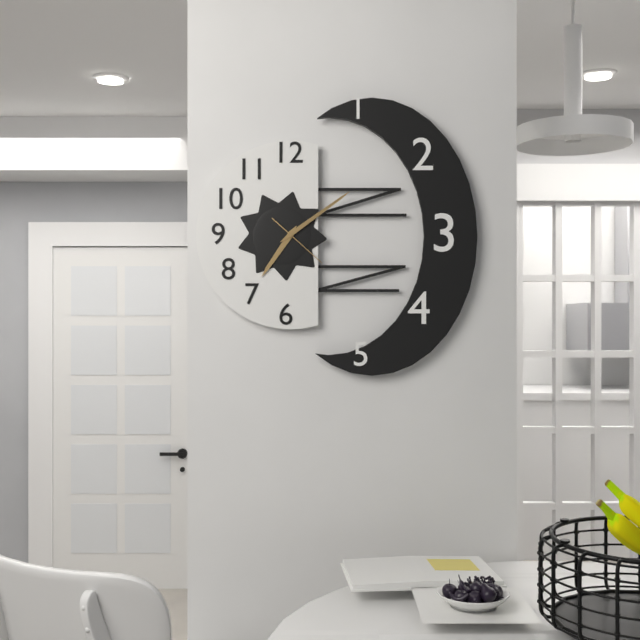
**7:09:22**
